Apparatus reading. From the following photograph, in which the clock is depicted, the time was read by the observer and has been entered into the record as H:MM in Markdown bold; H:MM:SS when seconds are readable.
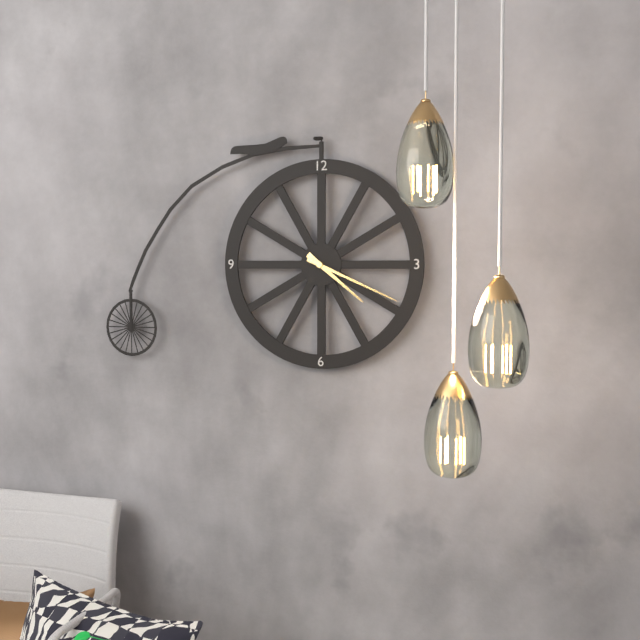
**4:19**
